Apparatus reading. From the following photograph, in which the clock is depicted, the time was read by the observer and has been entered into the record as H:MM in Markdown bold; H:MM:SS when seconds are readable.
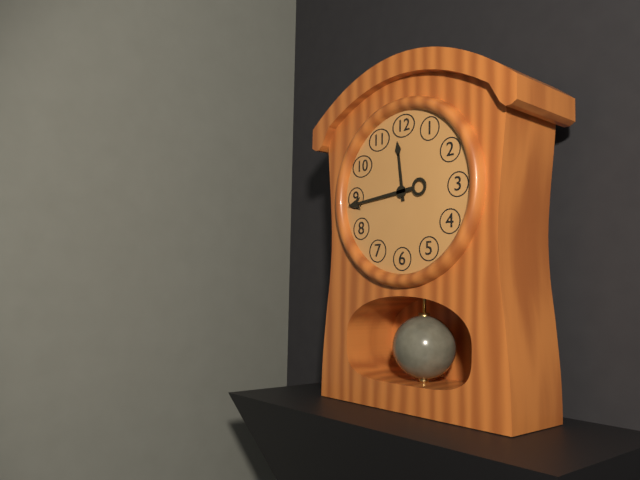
**11:44**
